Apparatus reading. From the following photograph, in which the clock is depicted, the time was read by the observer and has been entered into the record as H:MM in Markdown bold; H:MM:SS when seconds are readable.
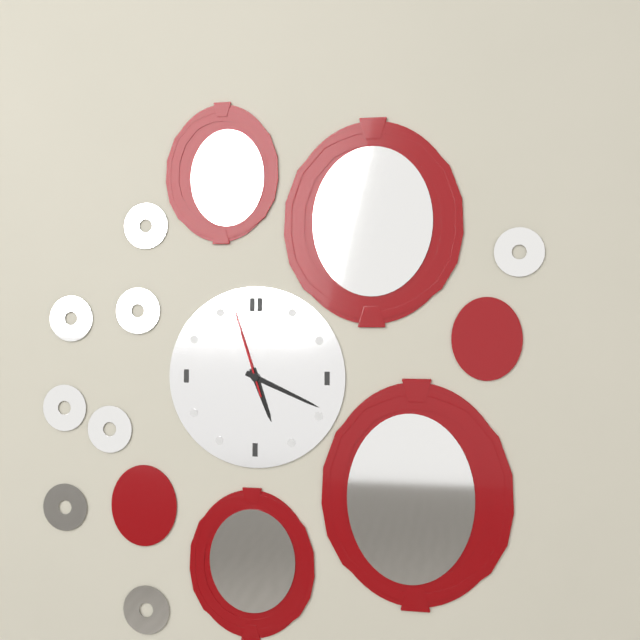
**5:19:57**
